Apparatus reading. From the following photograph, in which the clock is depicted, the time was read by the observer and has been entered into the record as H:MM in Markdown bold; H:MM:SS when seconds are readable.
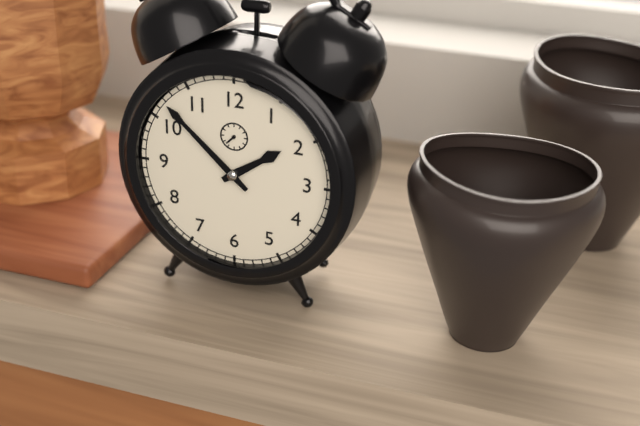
**1:52**
